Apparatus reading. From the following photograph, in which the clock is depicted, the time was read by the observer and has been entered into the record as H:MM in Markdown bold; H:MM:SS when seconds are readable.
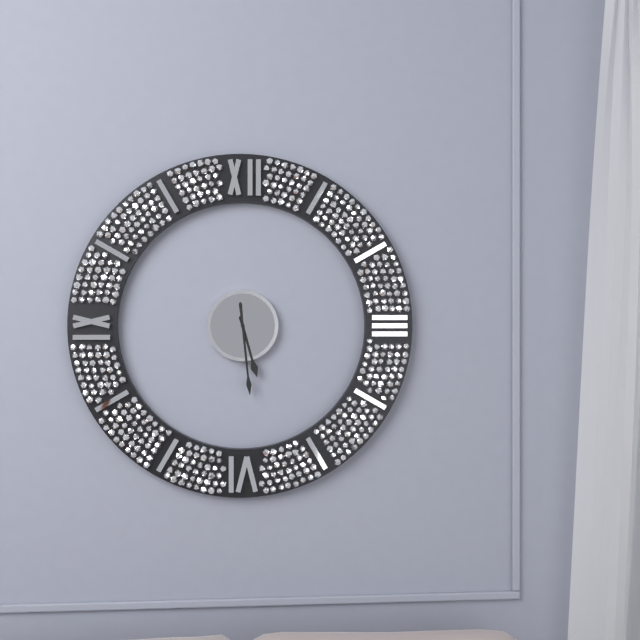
**5:29**
